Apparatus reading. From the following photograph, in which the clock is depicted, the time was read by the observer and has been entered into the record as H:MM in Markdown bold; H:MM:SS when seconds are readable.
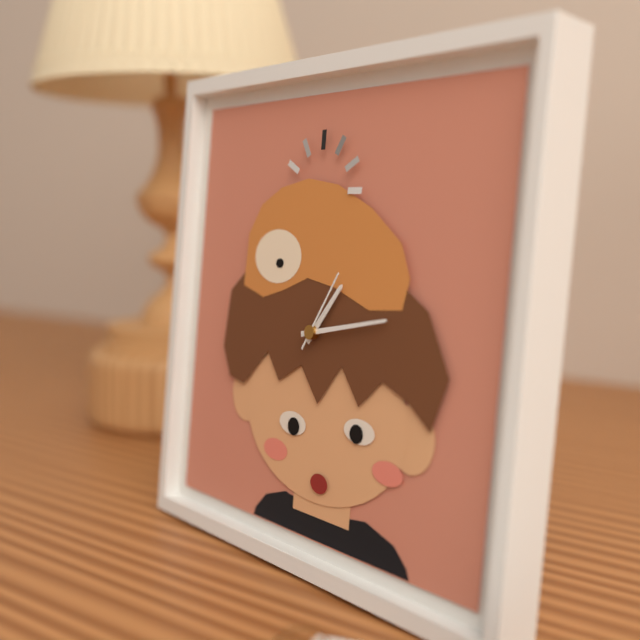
**1:13:05**
